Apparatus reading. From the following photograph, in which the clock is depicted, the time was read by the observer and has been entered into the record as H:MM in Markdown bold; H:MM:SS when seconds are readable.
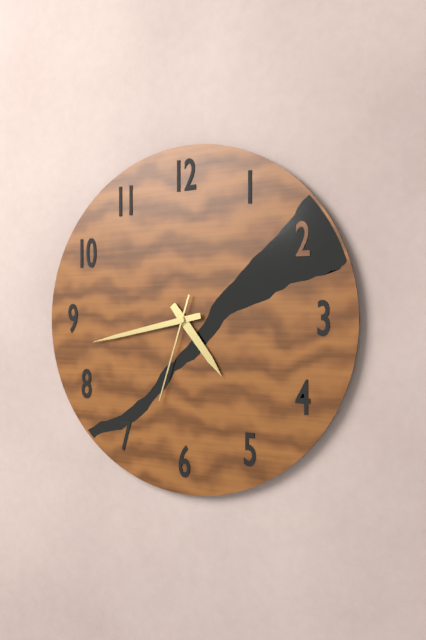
**4:43:33**
